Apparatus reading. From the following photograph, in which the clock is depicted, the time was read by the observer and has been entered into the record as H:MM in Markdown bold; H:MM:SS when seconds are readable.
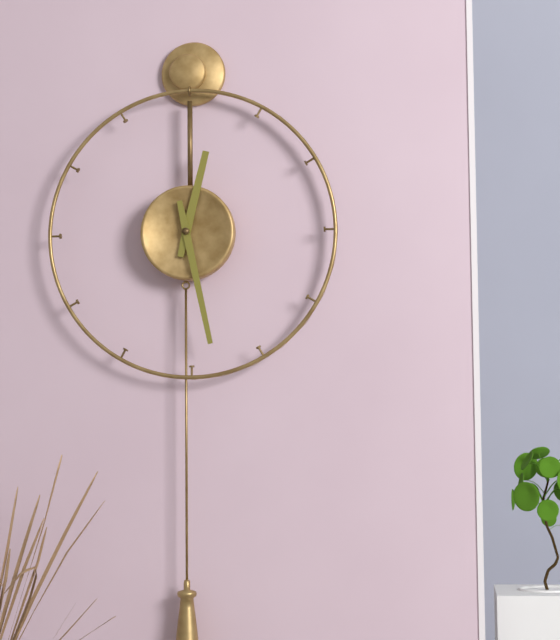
**12:28**
